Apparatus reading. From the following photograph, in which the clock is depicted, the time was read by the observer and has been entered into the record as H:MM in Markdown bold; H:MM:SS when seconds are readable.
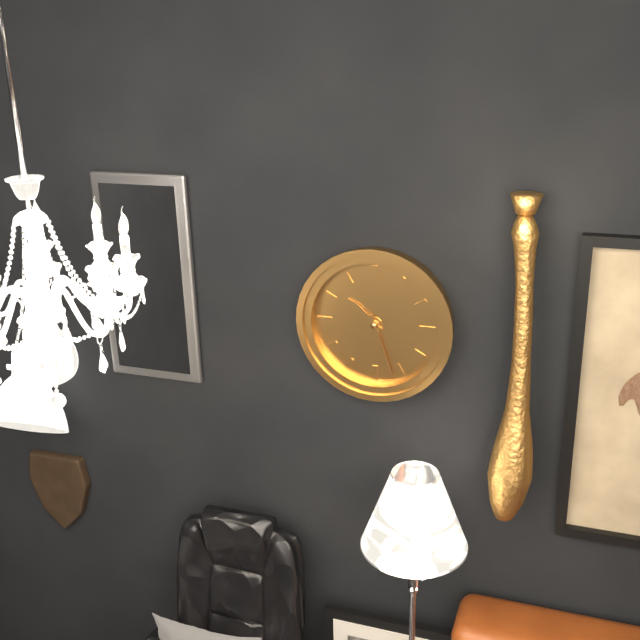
**10:27**
